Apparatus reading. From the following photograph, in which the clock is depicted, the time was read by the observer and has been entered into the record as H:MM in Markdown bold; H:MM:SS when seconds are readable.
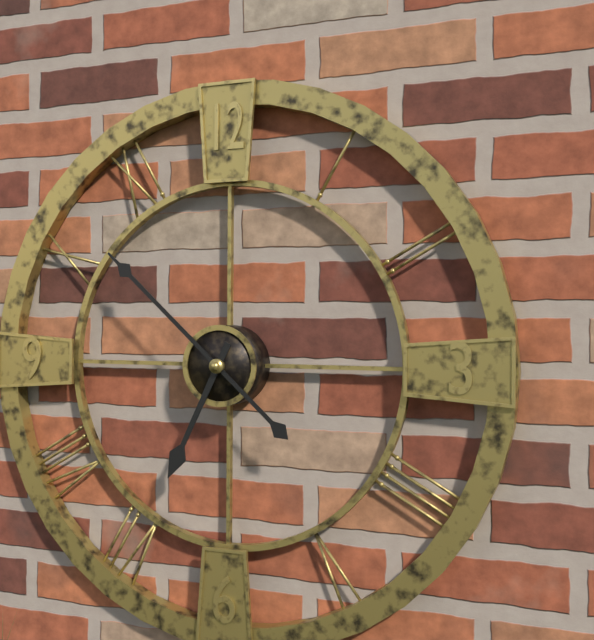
**6:52**
